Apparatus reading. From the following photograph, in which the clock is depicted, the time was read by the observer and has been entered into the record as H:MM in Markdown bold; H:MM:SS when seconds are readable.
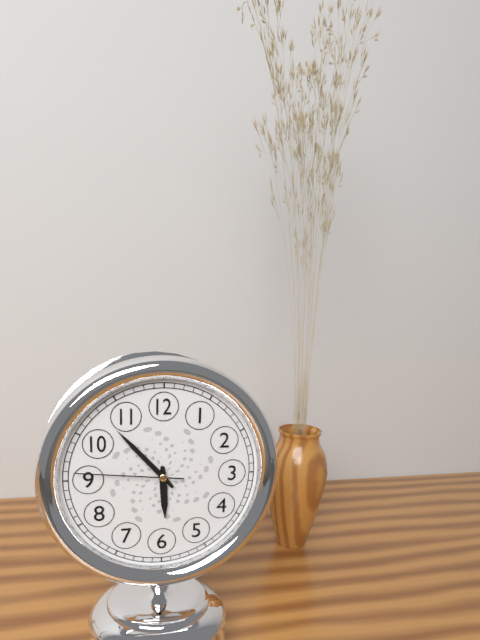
**5:53:46**
